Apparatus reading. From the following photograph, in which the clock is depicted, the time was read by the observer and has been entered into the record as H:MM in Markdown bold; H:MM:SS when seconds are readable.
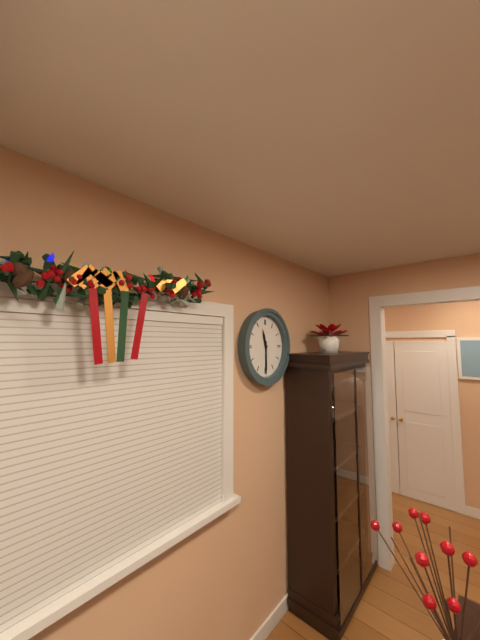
**11:30**
